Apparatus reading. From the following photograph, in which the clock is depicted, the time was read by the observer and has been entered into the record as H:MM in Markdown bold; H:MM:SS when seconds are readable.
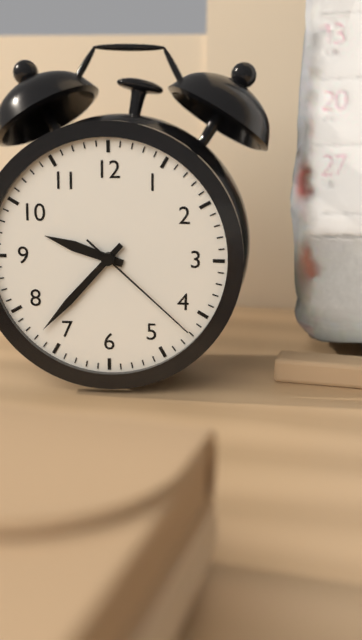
**9:37:22**
